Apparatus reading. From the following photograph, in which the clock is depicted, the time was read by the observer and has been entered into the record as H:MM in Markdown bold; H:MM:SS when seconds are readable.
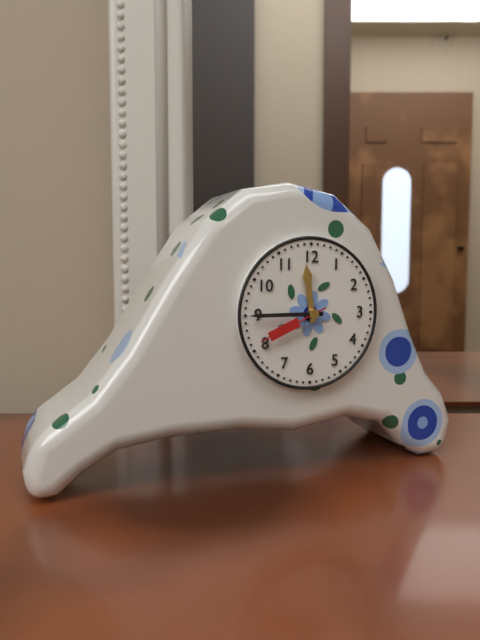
**11:45:41**
